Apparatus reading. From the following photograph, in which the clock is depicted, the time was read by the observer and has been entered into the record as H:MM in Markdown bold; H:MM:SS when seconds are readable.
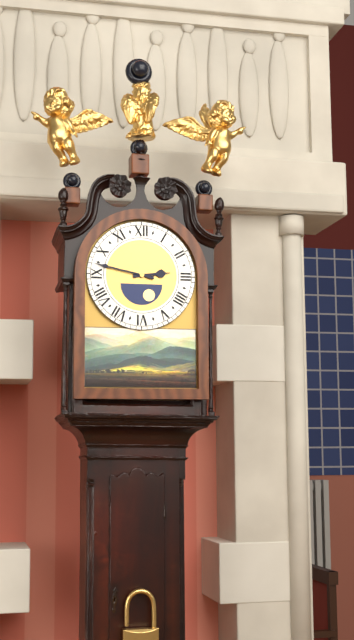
**2:47**
